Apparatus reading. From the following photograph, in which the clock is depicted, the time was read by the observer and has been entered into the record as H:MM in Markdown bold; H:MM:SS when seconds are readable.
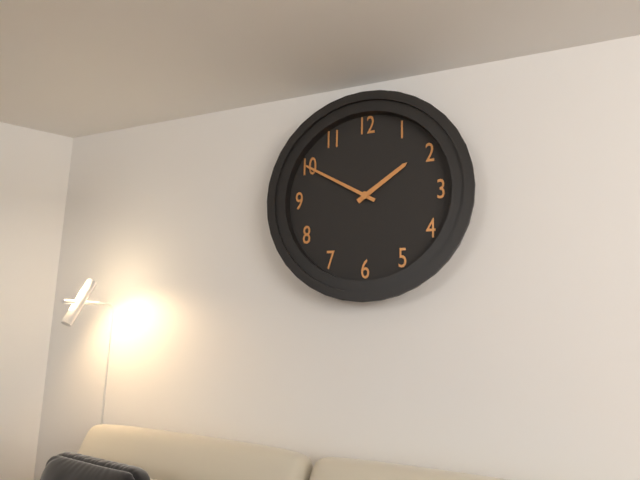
**1:50**
